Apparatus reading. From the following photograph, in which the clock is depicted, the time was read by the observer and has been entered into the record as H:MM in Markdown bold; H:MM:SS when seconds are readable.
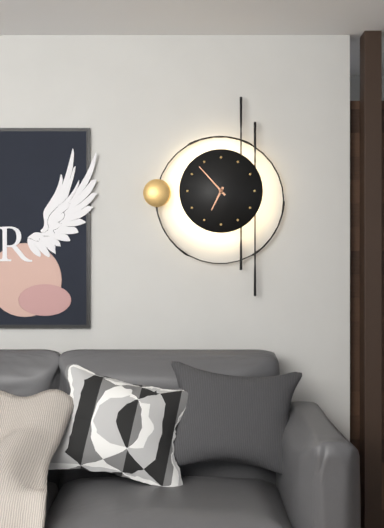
**6:53**
